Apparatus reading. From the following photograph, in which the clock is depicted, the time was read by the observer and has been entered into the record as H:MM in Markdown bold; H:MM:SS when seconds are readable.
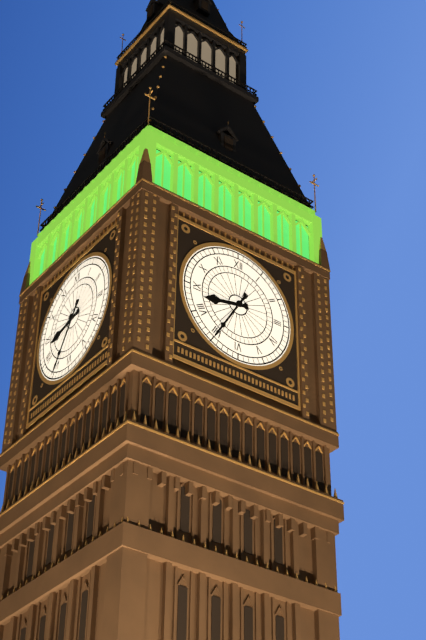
**8:35**
